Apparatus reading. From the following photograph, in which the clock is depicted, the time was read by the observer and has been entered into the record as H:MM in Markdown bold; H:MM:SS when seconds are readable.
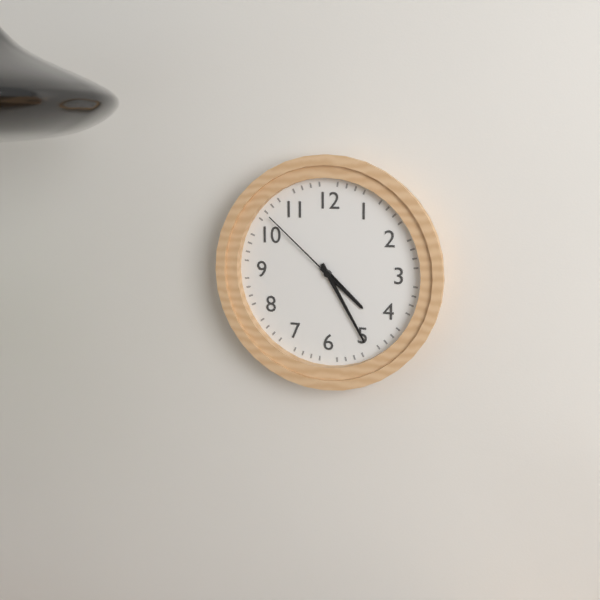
**4:25:52**
